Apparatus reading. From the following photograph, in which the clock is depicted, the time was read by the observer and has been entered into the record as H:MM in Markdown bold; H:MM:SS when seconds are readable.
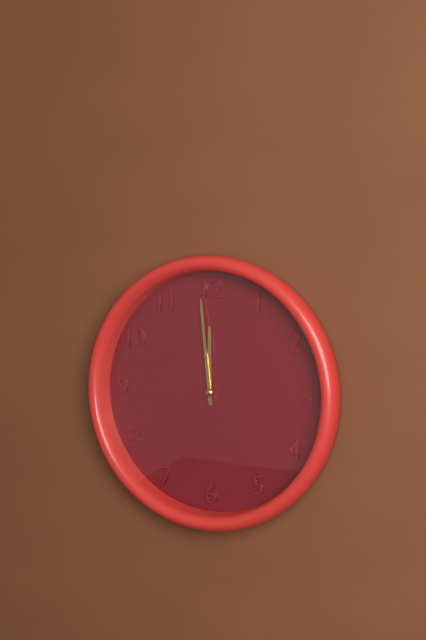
**11:59**
